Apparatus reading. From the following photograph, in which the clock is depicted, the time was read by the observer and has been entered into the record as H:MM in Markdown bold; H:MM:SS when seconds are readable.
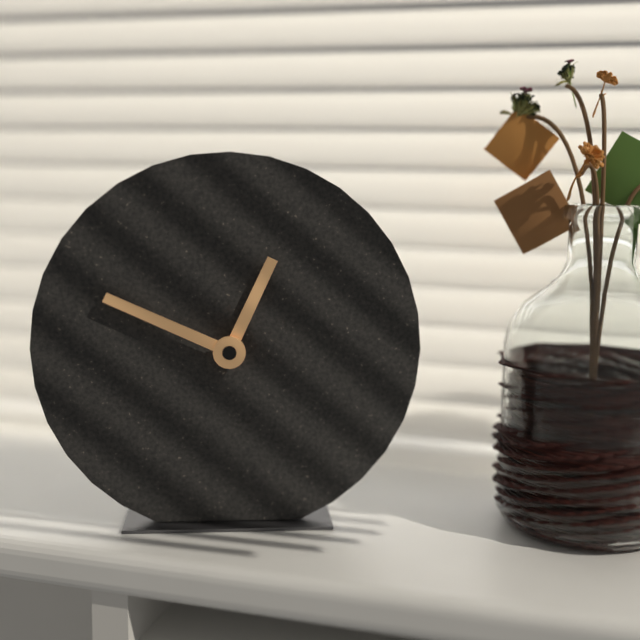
**12:49**
